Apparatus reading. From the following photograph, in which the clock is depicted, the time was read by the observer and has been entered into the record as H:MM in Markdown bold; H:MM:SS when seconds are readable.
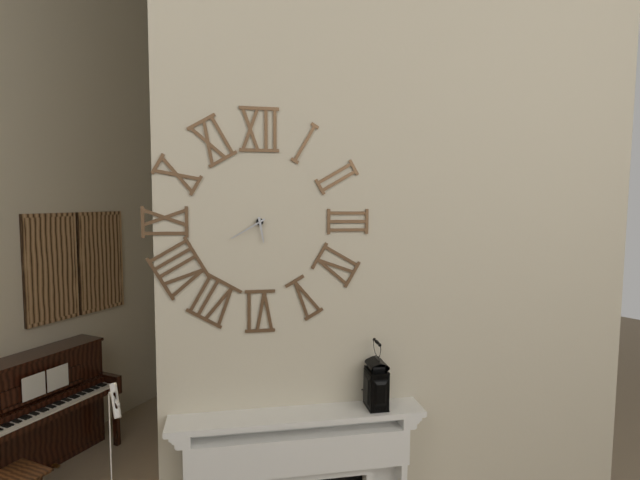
**5:40**
